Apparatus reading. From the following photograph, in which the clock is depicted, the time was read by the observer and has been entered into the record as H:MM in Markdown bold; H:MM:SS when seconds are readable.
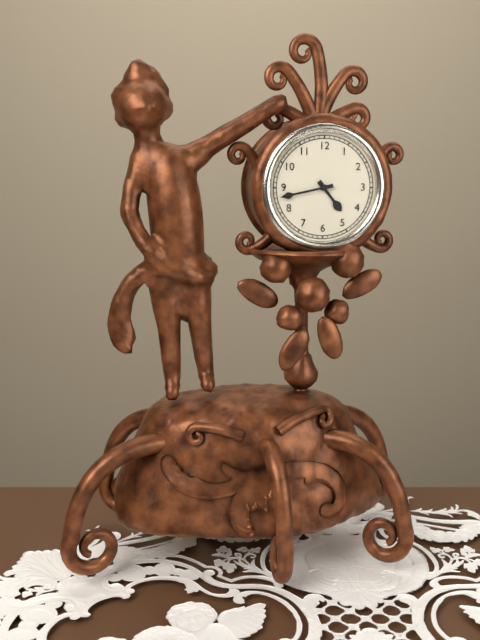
**4:43**
